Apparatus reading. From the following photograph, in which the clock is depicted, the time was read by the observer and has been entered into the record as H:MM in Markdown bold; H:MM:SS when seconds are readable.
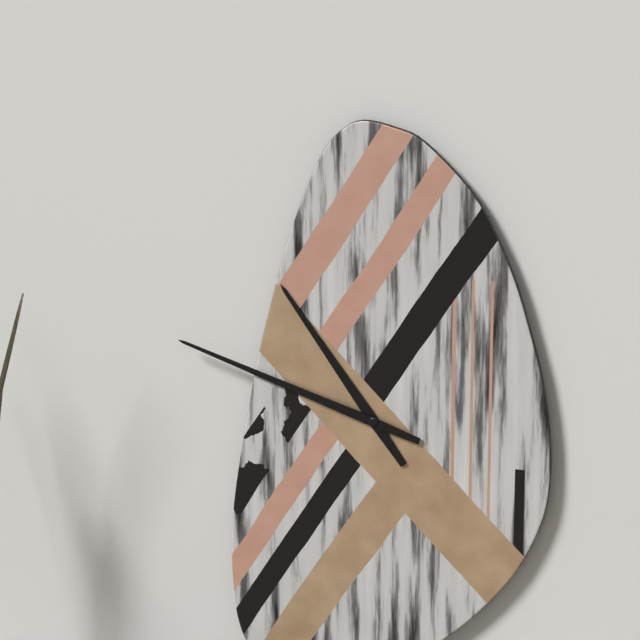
**10:48**
